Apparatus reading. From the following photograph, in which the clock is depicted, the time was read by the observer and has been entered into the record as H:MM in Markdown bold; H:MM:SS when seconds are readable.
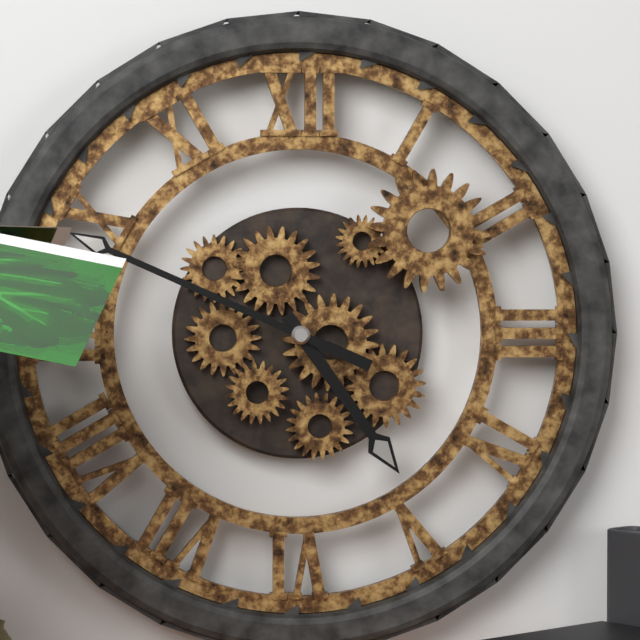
**4:49**
